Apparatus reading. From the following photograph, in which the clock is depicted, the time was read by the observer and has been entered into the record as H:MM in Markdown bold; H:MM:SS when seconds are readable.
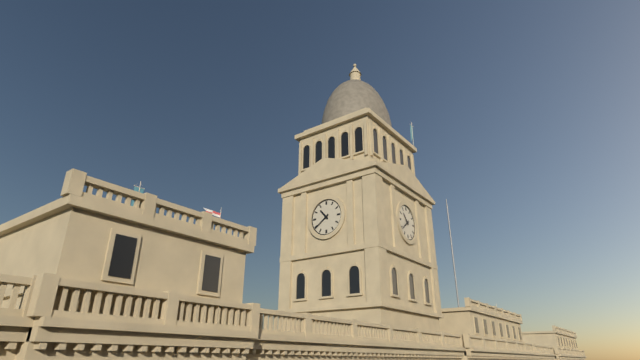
**10:39**
